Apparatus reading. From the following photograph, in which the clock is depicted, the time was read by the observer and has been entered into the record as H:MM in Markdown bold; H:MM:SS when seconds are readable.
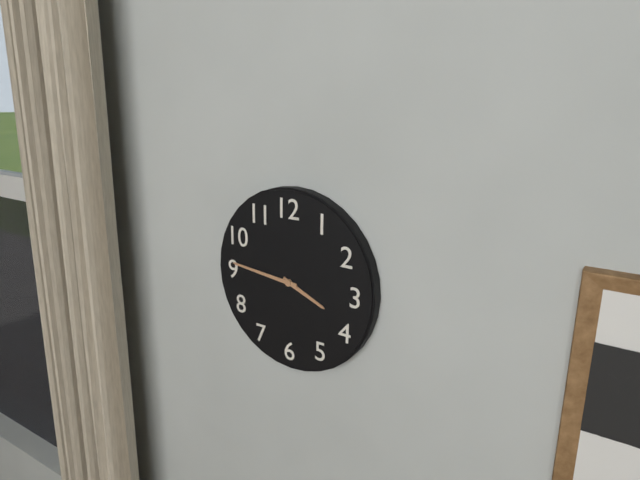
**3:46**
